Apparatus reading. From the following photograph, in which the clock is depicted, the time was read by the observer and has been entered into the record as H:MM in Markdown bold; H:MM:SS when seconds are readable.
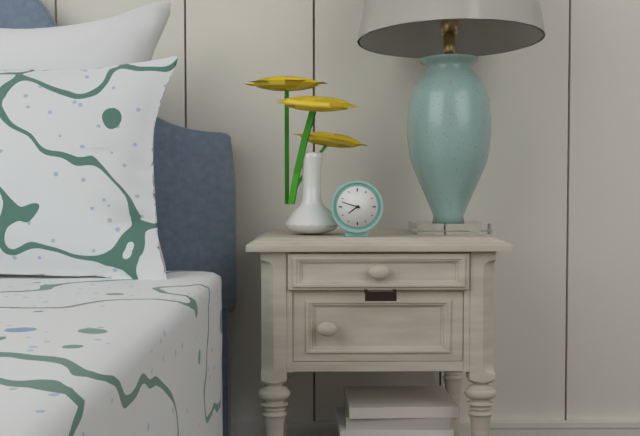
**7:48**
